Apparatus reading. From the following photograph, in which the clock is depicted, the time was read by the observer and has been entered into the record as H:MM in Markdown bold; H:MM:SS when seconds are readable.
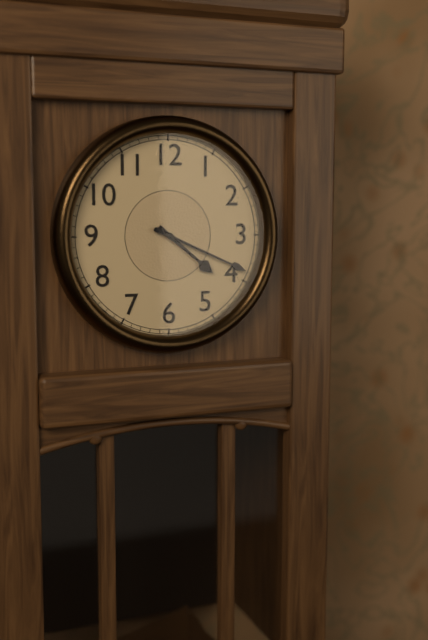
**4:19**
